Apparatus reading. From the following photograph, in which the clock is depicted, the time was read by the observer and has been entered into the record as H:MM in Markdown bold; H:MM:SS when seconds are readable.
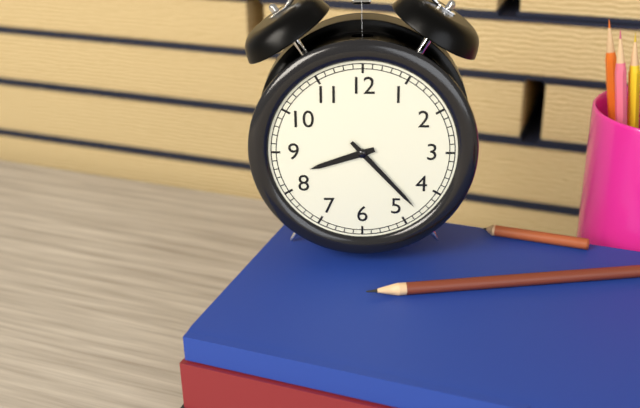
**8:23**
